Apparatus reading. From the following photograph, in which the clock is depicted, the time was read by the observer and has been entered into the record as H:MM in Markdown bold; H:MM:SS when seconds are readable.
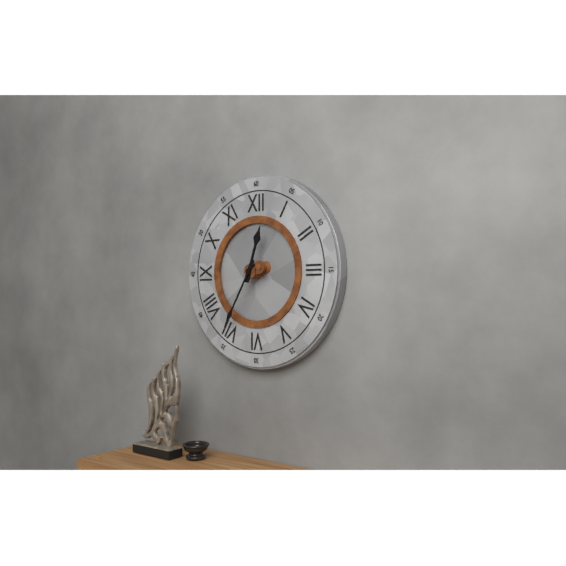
**12:35**
